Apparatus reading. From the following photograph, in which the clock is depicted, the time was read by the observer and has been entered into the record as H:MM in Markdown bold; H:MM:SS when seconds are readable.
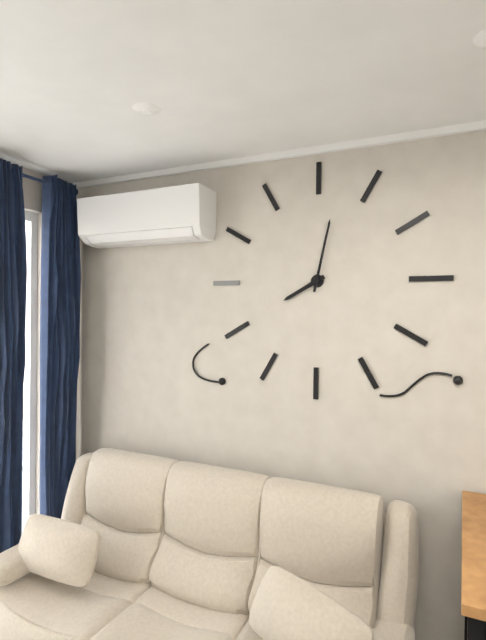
**8:02**
